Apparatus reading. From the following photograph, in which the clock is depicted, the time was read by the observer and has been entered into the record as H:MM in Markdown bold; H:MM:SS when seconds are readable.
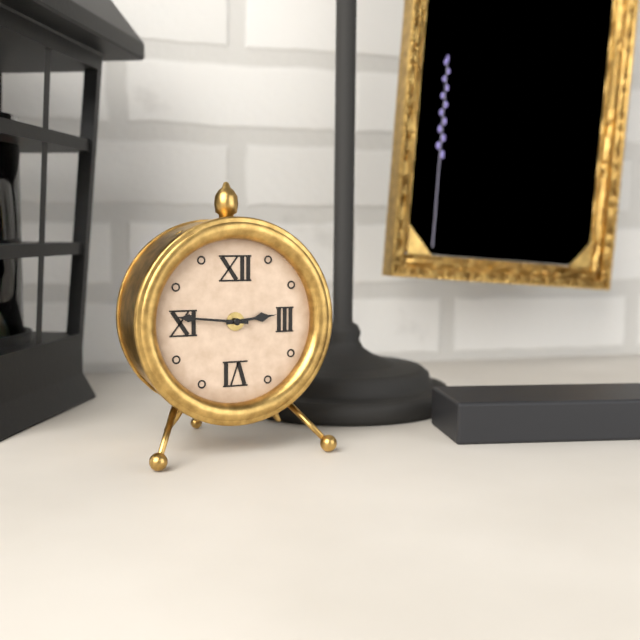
**2:46**
